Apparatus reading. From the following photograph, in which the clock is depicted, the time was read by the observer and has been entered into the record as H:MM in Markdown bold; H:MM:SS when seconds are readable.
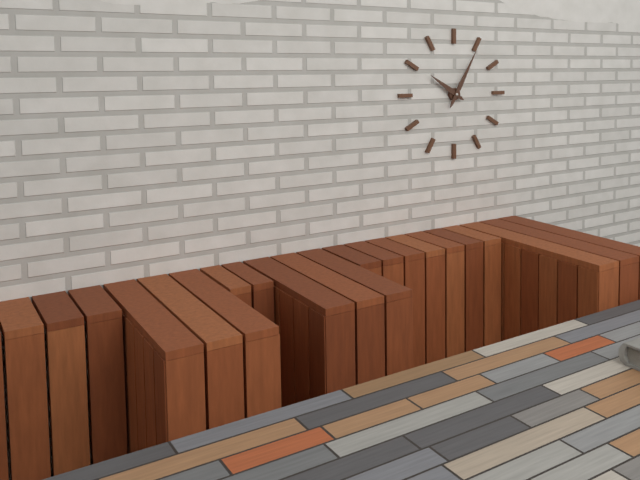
**10:05**
